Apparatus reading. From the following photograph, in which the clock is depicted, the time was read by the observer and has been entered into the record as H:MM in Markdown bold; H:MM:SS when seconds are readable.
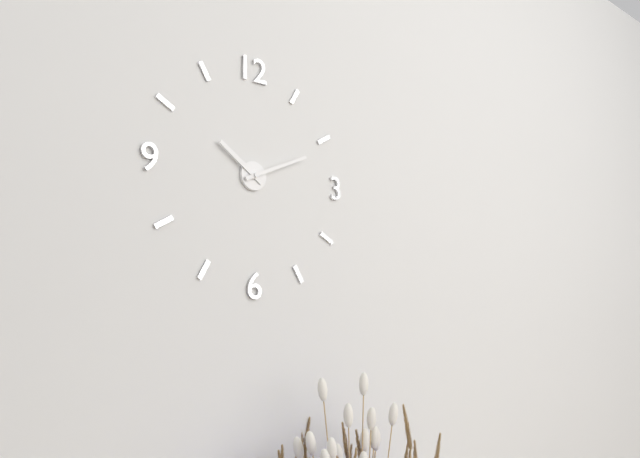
**10:11**
